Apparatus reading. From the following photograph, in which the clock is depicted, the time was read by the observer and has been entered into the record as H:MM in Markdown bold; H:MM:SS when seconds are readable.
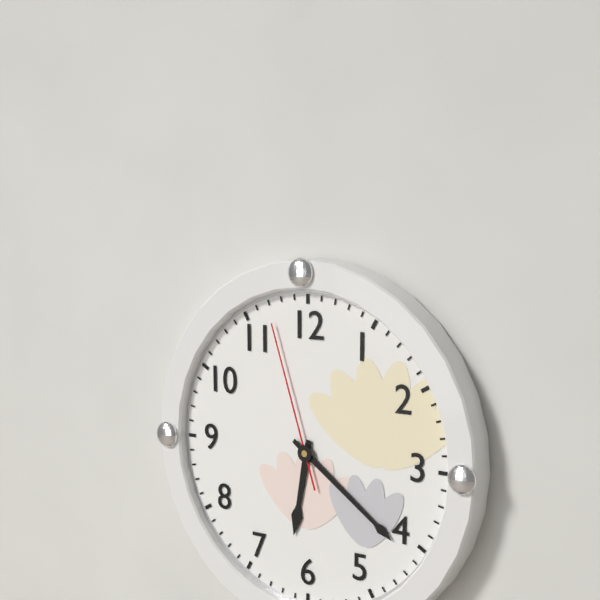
**6:21:57**
